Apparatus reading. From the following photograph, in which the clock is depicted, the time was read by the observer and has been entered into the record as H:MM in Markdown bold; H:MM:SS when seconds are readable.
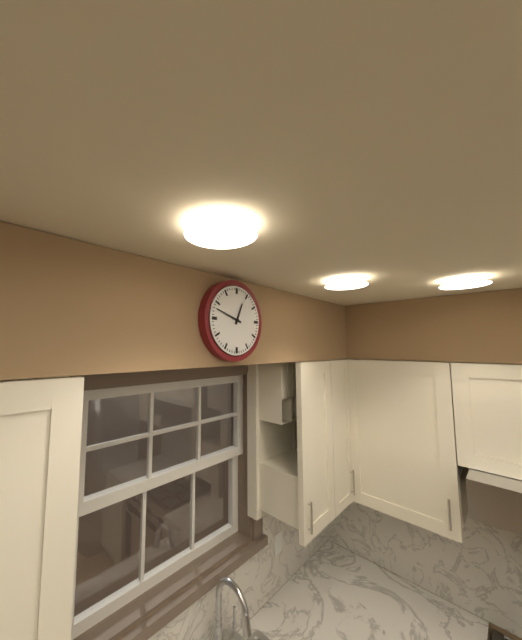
**12:48**
